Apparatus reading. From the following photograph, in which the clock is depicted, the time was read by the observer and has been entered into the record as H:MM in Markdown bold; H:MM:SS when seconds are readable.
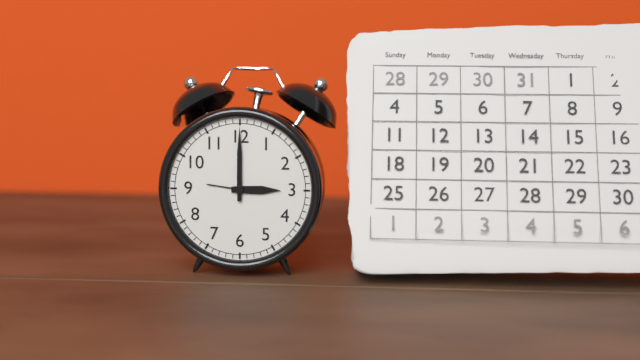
**3:00**
